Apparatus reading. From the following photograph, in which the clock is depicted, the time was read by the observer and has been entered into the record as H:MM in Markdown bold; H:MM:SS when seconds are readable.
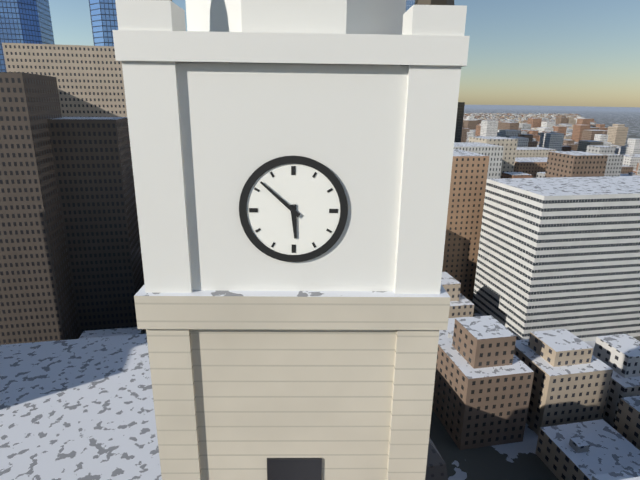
**5:52**
